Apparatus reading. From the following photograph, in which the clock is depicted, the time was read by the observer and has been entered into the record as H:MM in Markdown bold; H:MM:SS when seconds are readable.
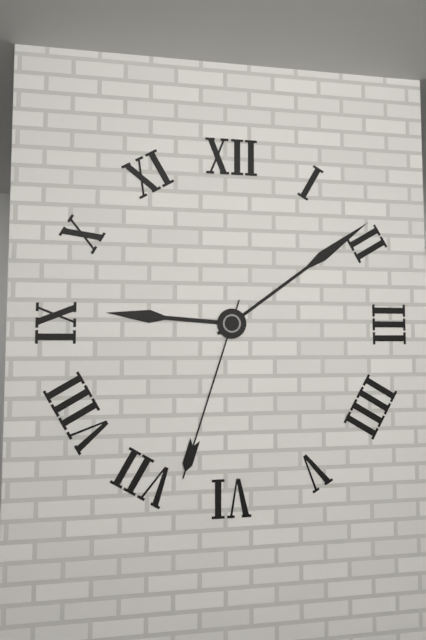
**9:09:33**
